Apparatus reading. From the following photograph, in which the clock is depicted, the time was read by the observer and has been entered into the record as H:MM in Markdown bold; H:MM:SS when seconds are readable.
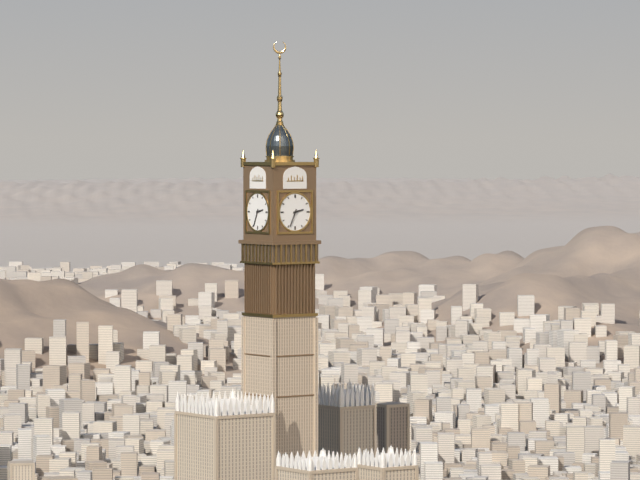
**2:34**
